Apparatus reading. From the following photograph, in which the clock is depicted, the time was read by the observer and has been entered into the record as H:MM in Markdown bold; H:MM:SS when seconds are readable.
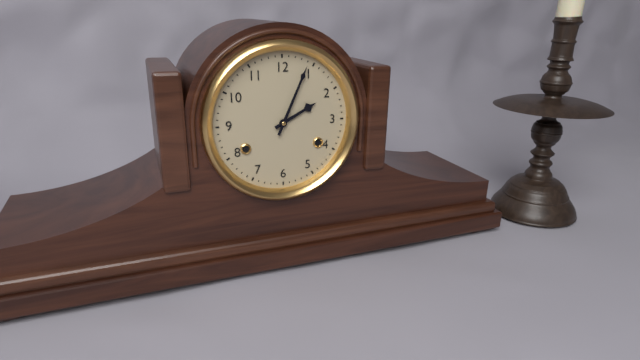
**2:04**
